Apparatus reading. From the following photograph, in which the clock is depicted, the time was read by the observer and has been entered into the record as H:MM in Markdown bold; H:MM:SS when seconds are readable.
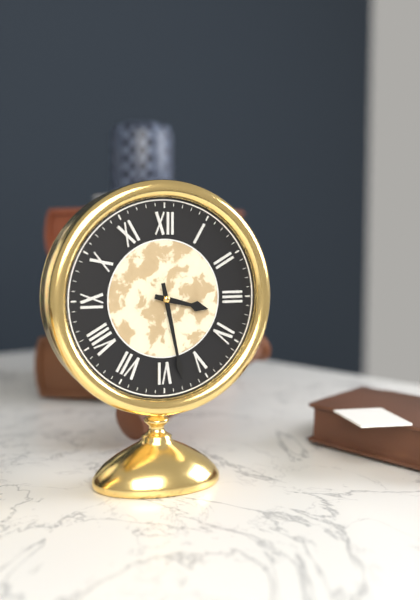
**3:28**
